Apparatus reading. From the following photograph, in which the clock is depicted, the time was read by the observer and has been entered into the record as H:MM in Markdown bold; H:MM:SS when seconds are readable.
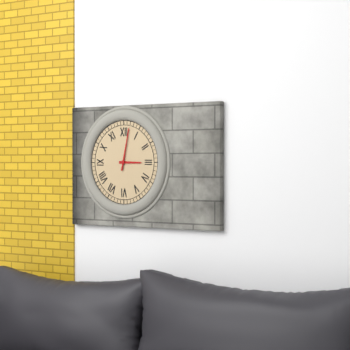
**3:02**
